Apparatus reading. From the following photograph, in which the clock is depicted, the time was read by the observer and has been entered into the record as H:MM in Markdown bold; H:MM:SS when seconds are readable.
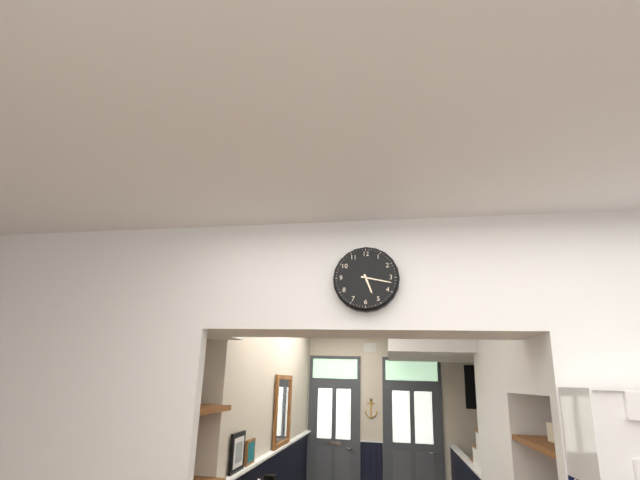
**5:17**
